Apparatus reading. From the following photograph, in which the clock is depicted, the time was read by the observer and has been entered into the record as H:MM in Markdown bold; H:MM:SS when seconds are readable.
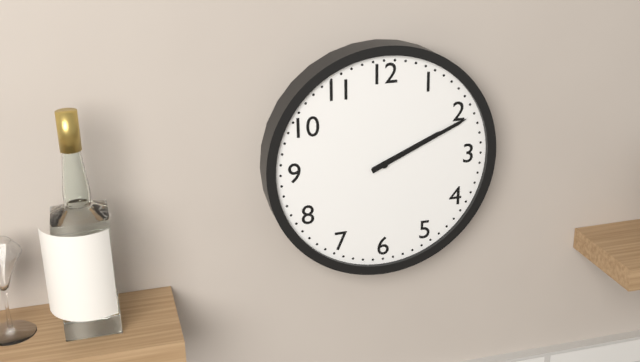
**2:11**
